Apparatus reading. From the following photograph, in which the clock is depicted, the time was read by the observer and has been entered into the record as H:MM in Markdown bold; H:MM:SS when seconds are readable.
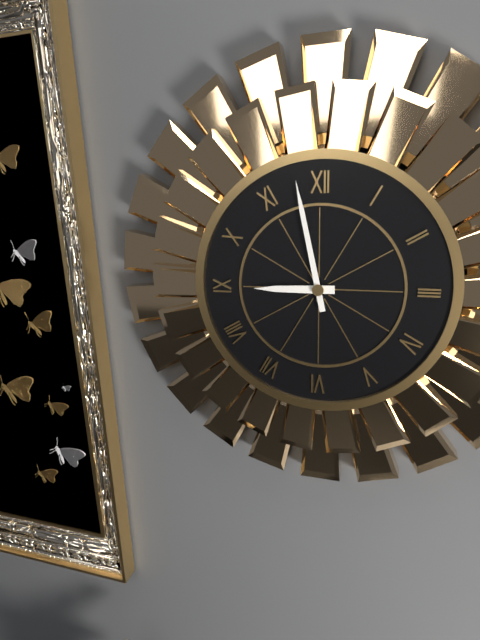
**8:58**
